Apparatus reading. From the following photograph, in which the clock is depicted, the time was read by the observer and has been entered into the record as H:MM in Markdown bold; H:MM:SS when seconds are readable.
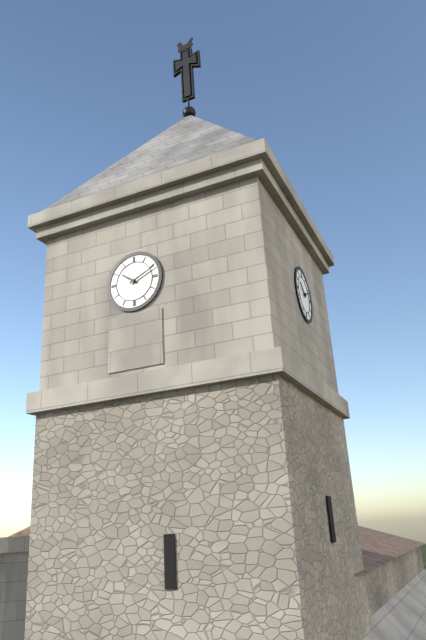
**10:11**
